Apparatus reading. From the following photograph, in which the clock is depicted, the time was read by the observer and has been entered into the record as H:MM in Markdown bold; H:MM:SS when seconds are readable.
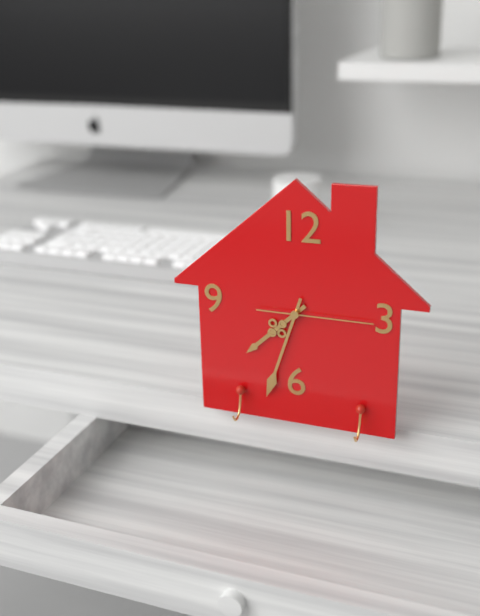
**7:33:15**
